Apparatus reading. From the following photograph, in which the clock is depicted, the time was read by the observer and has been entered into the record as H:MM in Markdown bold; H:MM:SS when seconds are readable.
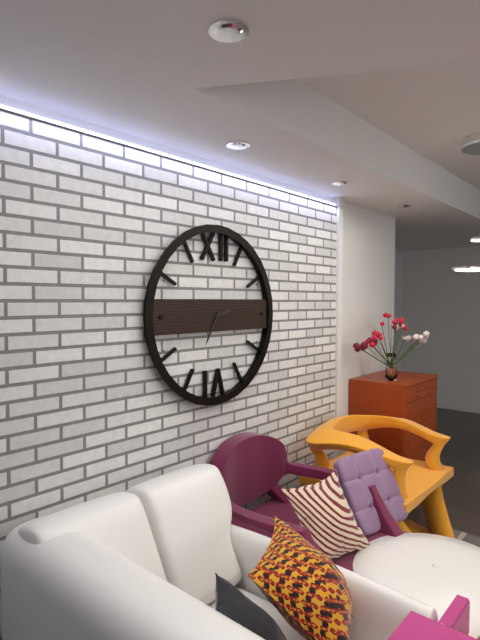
**2:35**
